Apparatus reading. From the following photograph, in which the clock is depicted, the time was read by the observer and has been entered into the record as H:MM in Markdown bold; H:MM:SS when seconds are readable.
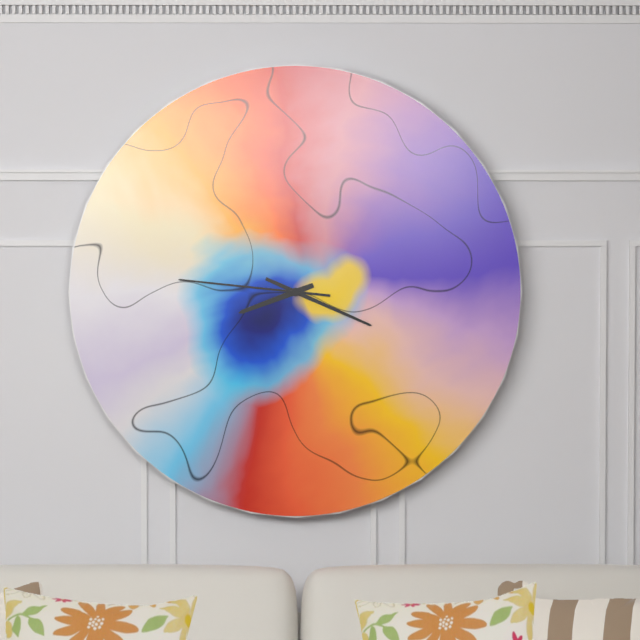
**8:19:46**
